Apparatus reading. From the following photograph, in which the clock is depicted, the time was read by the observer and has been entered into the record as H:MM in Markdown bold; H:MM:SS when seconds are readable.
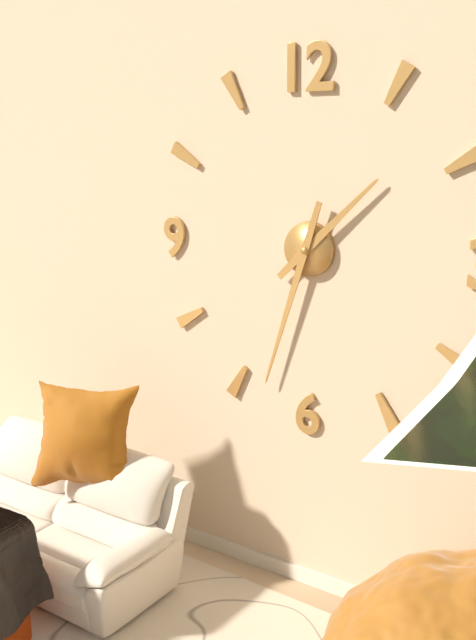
**1:33**
